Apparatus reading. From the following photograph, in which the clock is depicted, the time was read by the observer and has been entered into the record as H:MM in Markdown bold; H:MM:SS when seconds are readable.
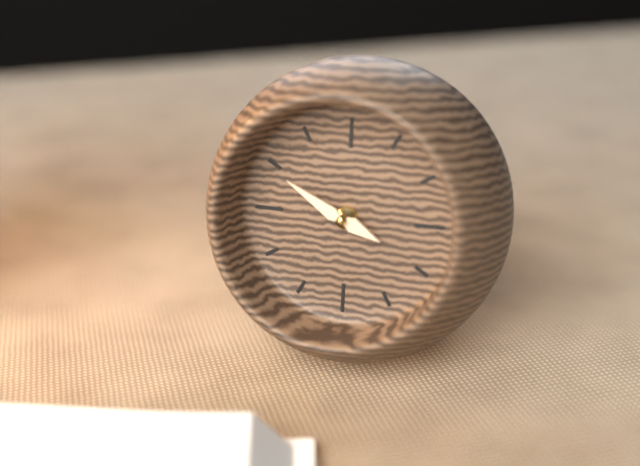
**3:50**
